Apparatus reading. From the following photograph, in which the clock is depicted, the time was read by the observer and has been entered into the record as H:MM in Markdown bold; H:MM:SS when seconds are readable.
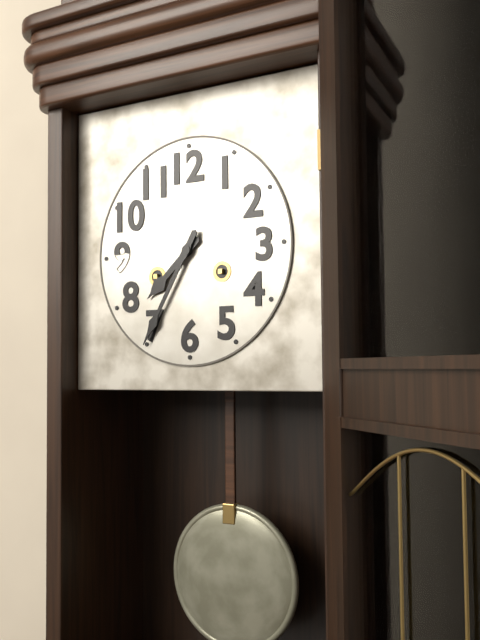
**7:35**
